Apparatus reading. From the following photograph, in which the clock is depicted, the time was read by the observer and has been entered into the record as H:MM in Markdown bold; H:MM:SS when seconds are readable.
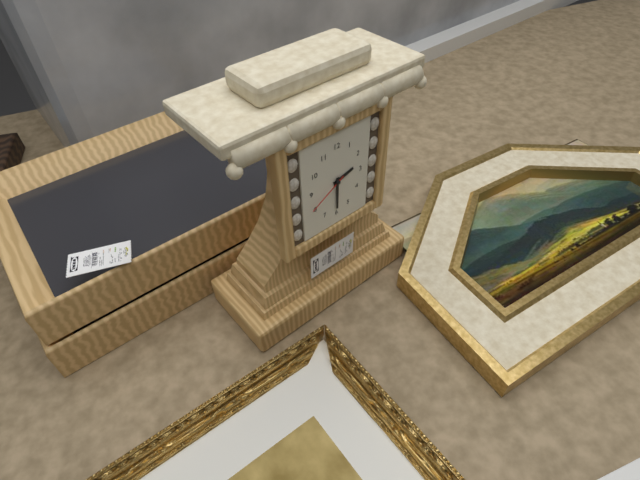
**2:30**
